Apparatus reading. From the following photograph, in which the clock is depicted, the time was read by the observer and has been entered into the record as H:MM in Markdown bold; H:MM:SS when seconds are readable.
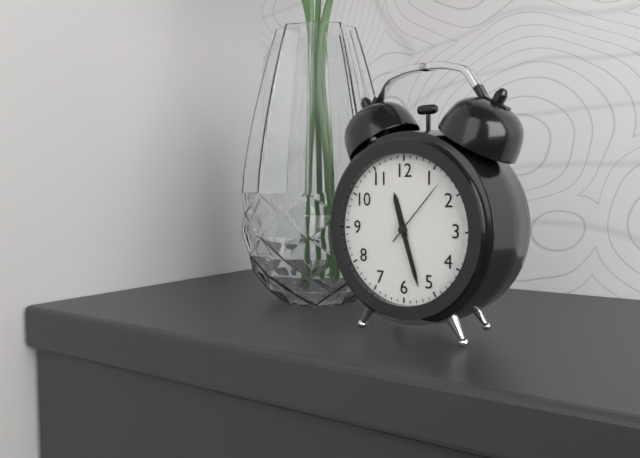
**11:27:07**
